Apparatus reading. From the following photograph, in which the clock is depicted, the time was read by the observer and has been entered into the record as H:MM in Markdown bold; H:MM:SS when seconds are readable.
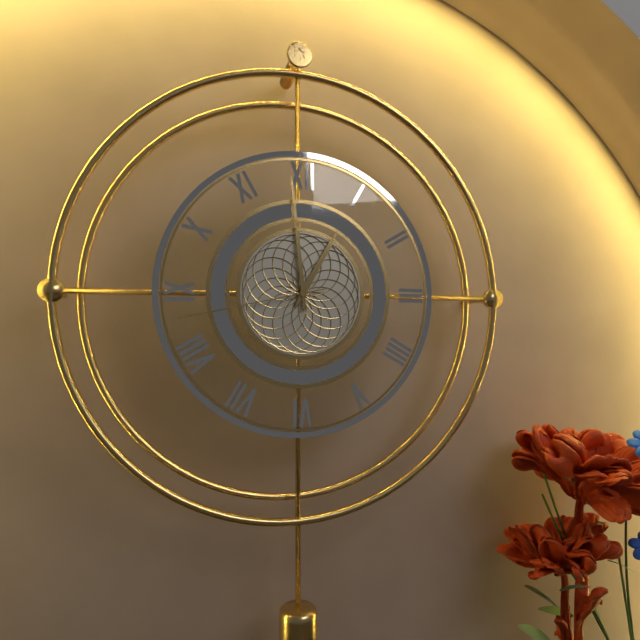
**12:59:43**
